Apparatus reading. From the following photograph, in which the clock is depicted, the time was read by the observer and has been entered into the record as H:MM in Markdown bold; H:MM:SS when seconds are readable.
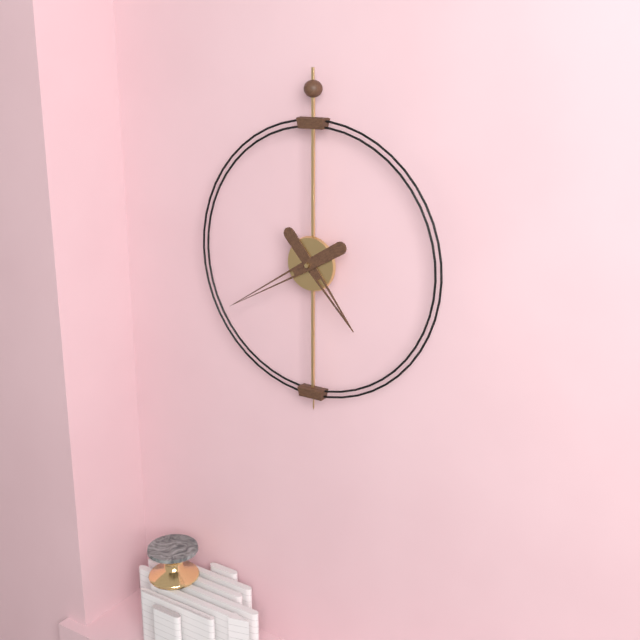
**4:40**
